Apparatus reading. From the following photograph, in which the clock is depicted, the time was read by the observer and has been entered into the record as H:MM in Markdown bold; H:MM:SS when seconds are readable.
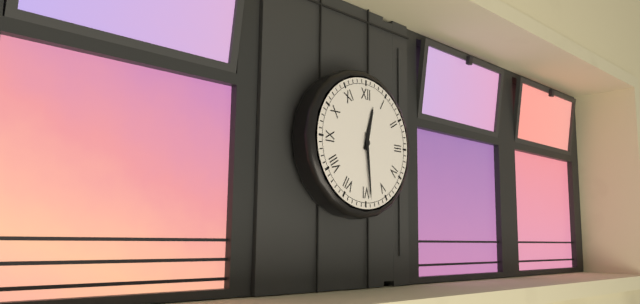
**12:29**
